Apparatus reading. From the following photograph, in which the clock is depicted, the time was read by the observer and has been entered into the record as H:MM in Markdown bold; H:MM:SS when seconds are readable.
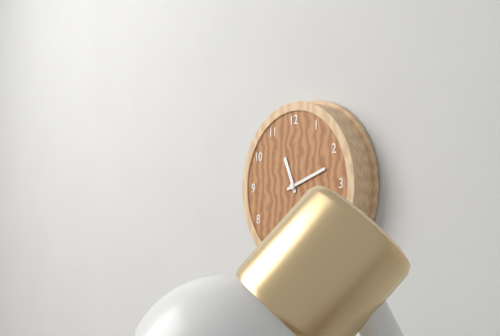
**11:12**
